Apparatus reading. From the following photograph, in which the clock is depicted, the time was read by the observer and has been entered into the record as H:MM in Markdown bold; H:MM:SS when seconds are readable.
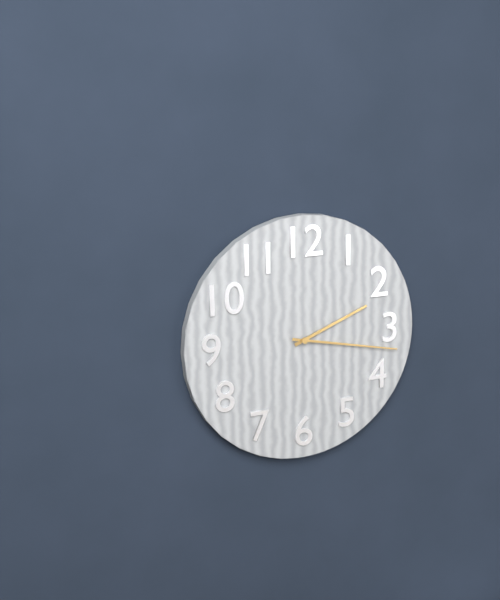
**2:17**
